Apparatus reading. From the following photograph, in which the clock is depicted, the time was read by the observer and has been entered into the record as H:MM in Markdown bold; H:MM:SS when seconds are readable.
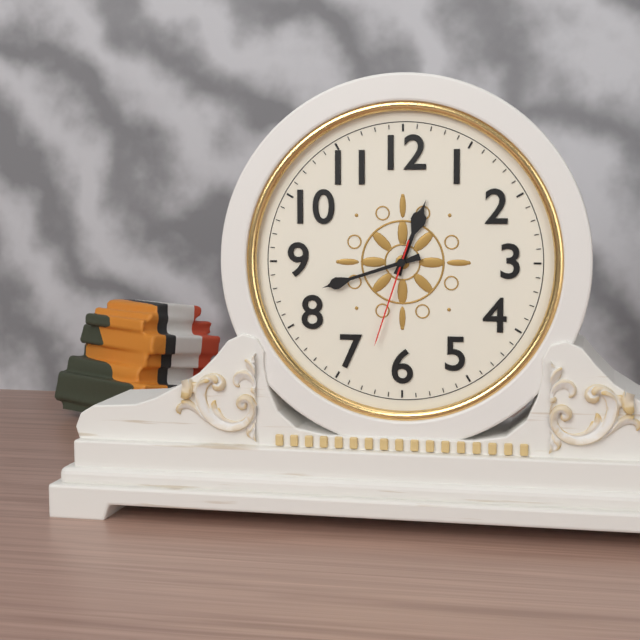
**12:42:33**
